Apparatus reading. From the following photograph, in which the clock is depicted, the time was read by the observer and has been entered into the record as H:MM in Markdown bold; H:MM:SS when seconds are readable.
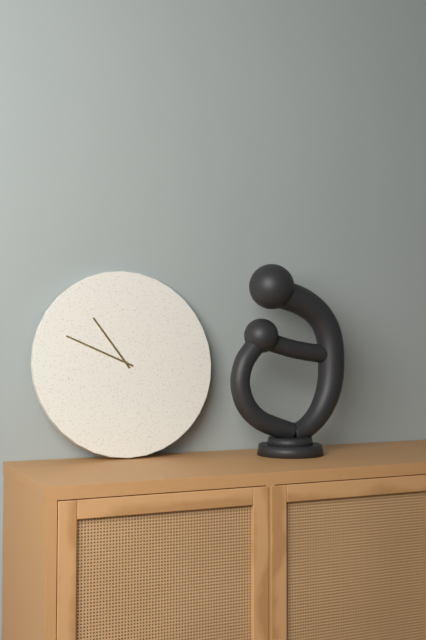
**10:49**
